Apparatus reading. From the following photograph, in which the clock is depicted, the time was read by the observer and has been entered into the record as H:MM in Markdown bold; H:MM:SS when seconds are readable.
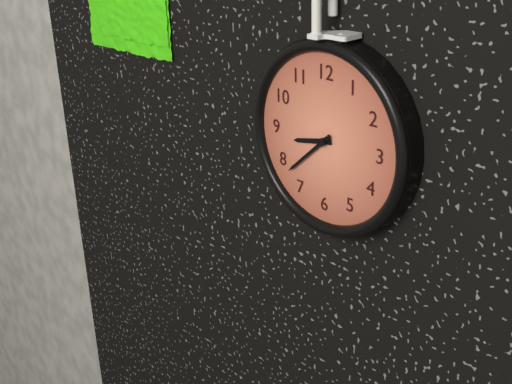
**8:38**
